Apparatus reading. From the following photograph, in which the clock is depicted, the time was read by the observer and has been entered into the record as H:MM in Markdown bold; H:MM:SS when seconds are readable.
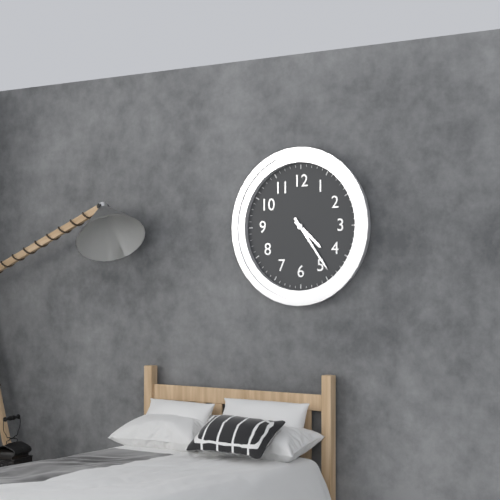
**4:24**
